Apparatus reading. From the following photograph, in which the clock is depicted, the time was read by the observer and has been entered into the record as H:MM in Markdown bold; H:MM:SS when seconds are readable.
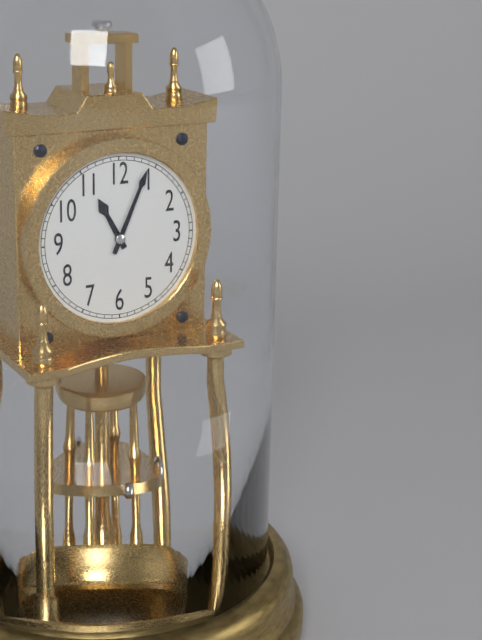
**11:04**
